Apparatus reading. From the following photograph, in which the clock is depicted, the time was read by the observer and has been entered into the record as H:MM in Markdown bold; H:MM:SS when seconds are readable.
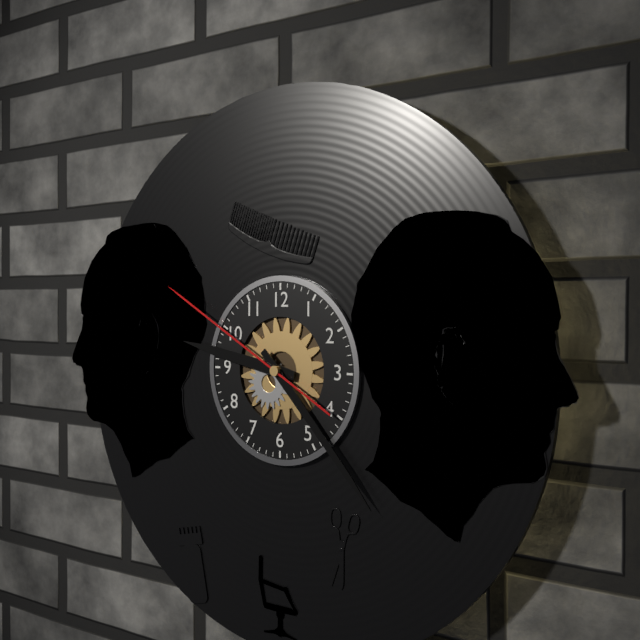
**9:23:50**
